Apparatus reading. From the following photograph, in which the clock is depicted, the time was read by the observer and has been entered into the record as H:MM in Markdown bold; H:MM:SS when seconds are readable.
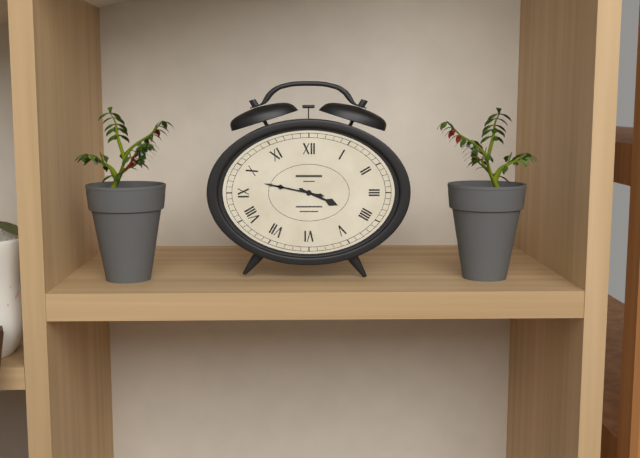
**3:47**
